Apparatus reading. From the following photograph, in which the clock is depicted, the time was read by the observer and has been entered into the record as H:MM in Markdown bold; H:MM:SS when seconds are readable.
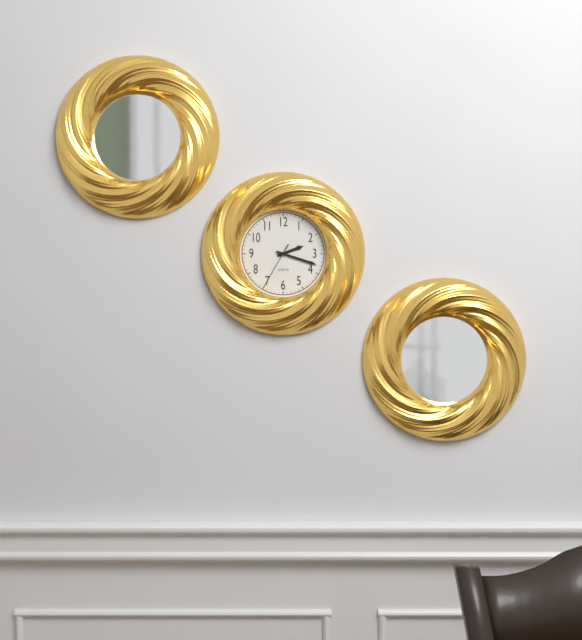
**2:18**
